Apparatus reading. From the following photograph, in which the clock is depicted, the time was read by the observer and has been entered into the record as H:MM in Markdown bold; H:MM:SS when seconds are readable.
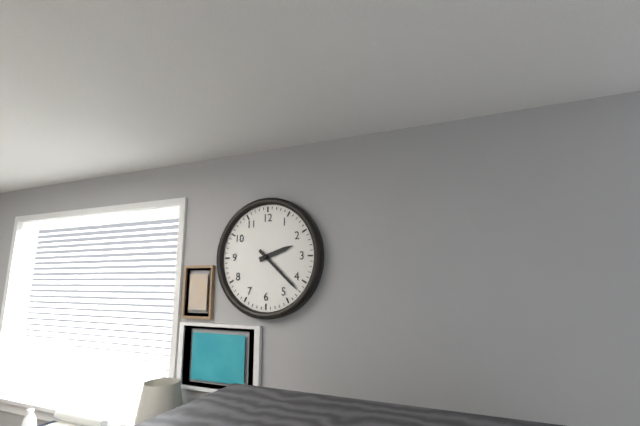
**2:22**
